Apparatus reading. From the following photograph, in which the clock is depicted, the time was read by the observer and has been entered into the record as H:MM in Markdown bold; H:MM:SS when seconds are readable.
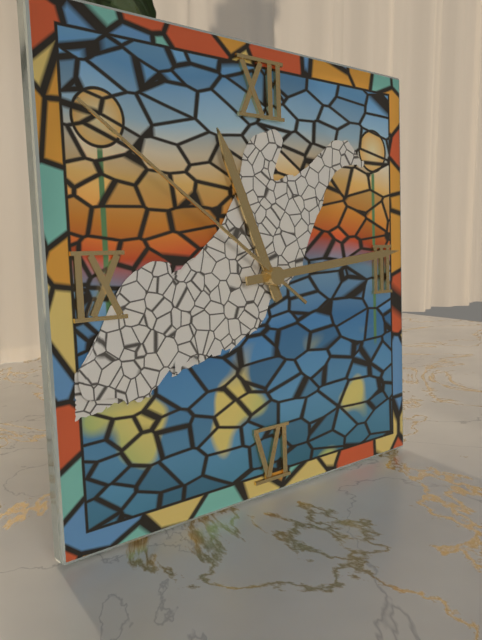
**11:14:51**
